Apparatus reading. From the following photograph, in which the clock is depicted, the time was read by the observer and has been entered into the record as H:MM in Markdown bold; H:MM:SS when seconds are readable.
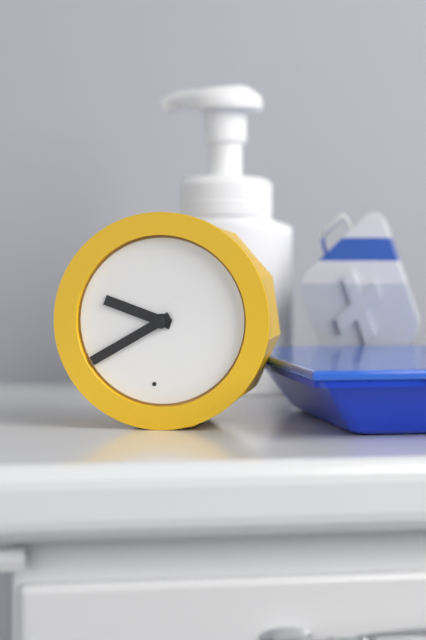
**9:40**
